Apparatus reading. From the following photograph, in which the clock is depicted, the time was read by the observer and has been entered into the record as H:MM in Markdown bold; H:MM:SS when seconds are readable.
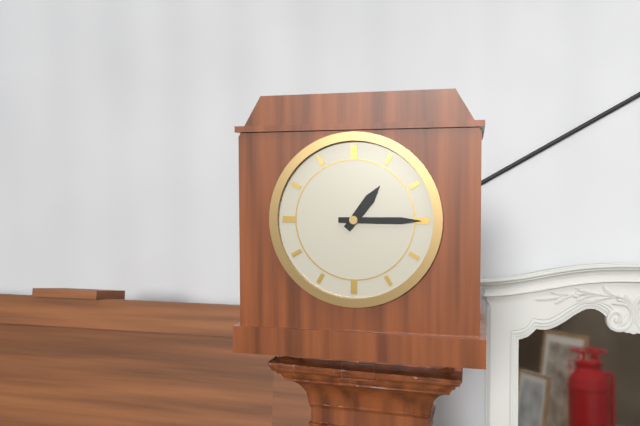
**1:15**
